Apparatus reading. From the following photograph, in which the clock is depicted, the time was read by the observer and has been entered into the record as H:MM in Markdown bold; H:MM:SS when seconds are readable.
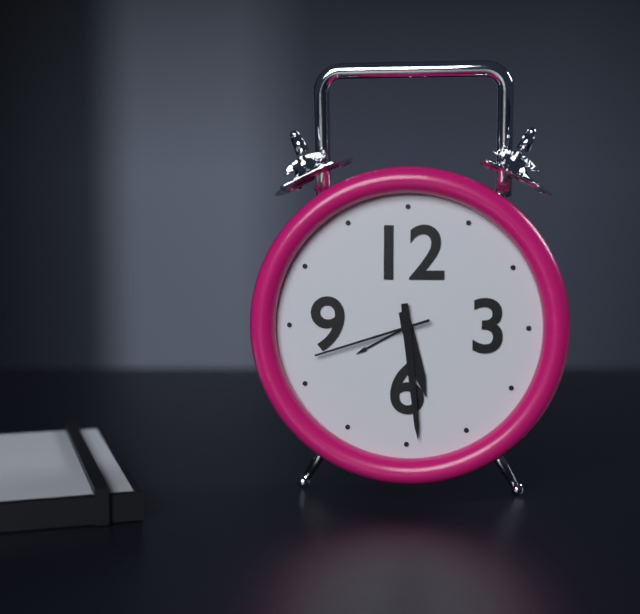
**5:29:42**
